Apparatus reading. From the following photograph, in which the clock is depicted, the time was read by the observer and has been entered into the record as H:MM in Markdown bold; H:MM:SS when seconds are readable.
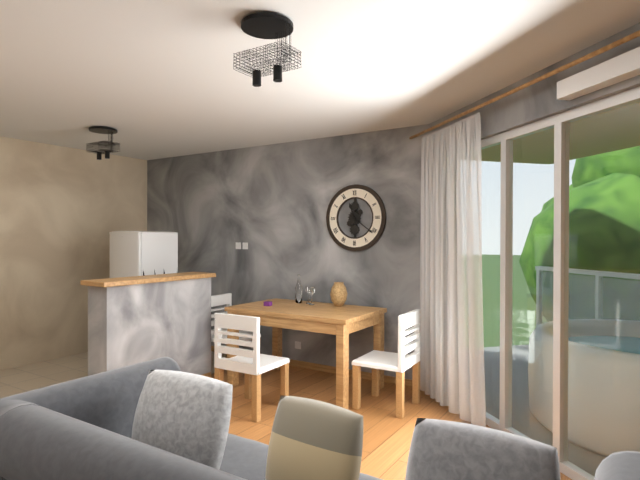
**11:21**
